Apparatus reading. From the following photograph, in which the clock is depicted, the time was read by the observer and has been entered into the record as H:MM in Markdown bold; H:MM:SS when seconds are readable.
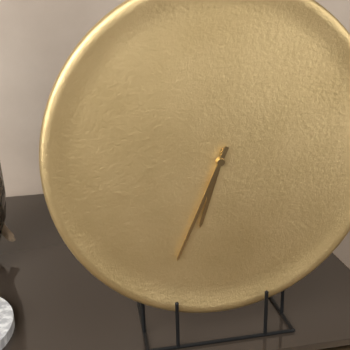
**6:34**
